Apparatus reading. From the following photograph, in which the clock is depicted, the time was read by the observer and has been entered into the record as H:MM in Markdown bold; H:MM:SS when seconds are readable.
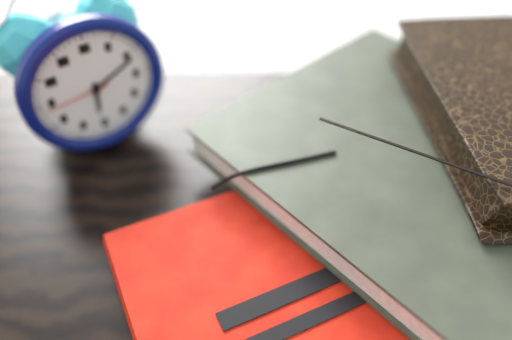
**6:11:44**
